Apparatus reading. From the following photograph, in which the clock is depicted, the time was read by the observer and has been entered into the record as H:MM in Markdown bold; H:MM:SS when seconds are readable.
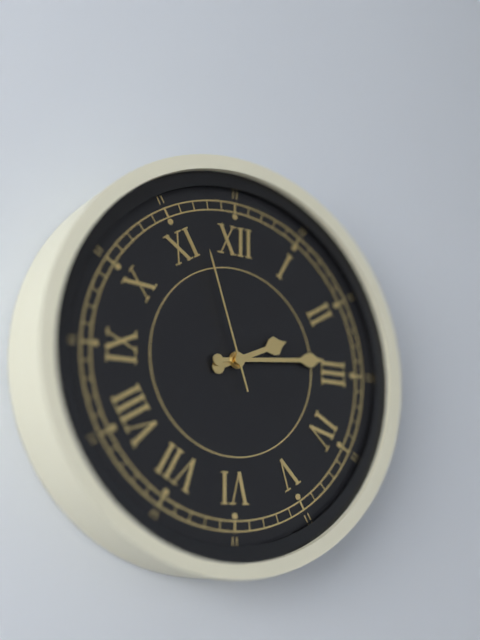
**2:14:57**
